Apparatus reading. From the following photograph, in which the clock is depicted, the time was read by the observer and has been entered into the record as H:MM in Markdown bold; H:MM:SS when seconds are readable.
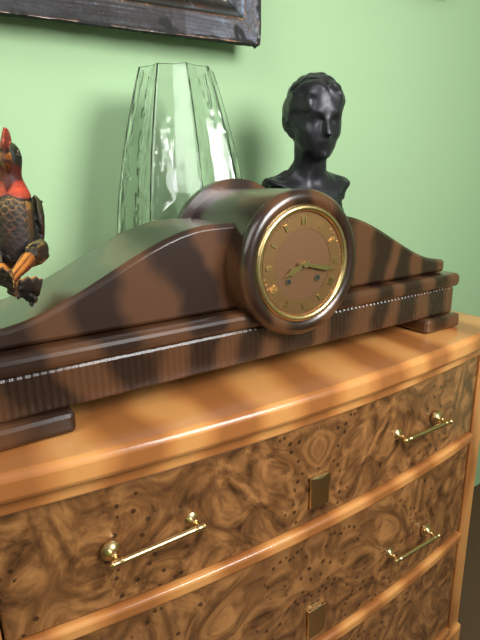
**8:17**
